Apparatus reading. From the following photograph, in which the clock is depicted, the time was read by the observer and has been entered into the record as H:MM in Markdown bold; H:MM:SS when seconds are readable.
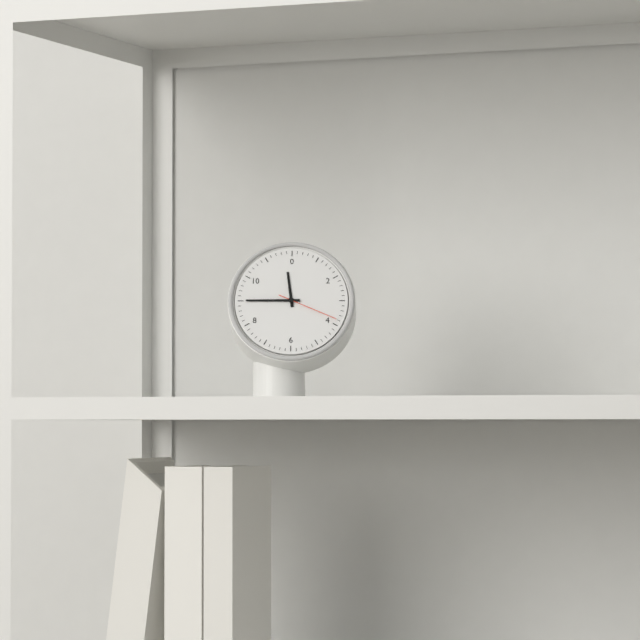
**11:45:19**
